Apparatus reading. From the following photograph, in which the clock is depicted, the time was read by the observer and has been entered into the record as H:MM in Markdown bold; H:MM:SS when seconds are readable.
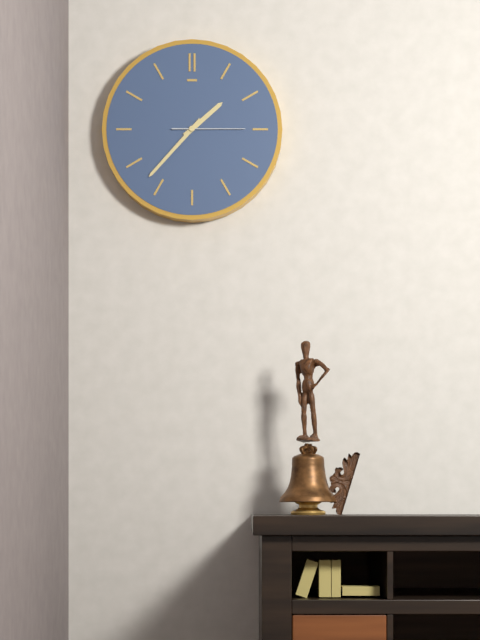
**1:37:15**
